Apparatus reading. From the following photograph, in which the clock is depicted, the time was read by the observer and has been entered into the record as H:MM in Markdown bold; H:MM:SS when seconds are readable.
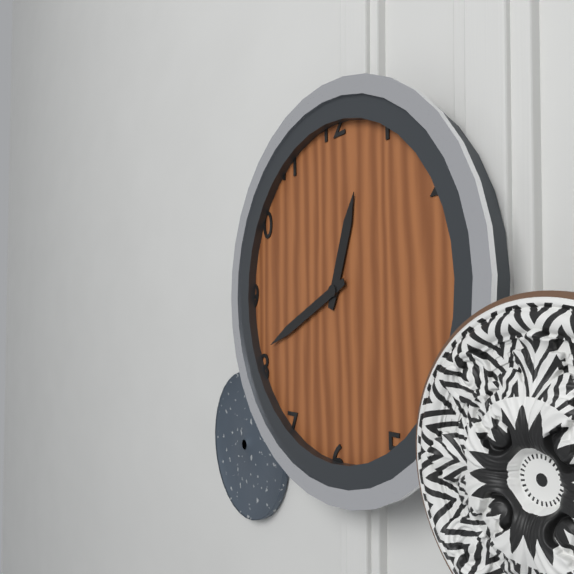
**12:41**
